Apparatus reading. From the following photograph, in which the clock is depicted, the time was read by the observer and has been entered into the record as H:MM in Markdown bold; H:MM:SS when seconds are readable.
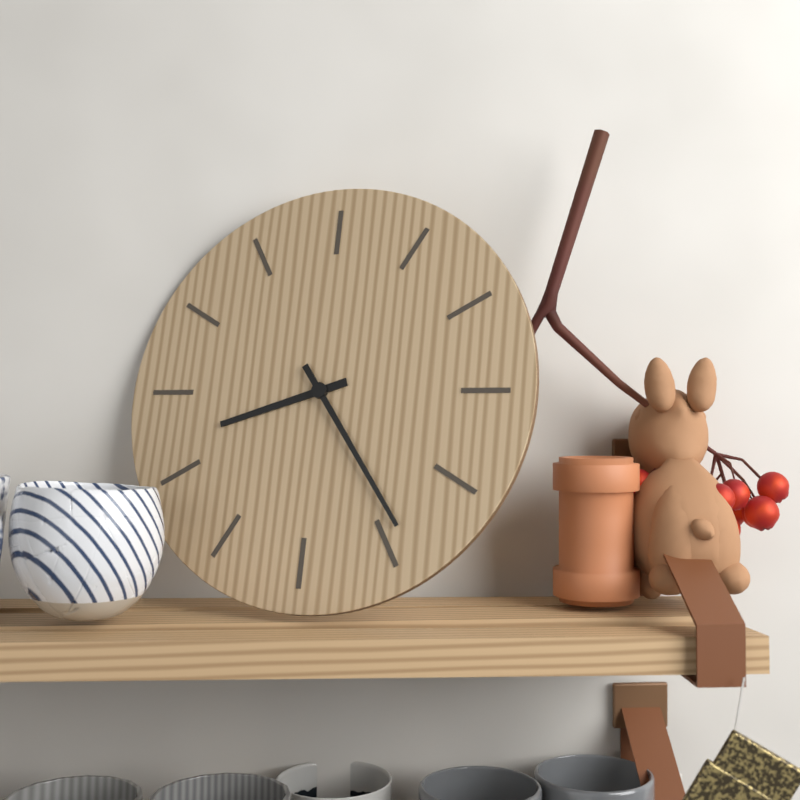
**8:24**
